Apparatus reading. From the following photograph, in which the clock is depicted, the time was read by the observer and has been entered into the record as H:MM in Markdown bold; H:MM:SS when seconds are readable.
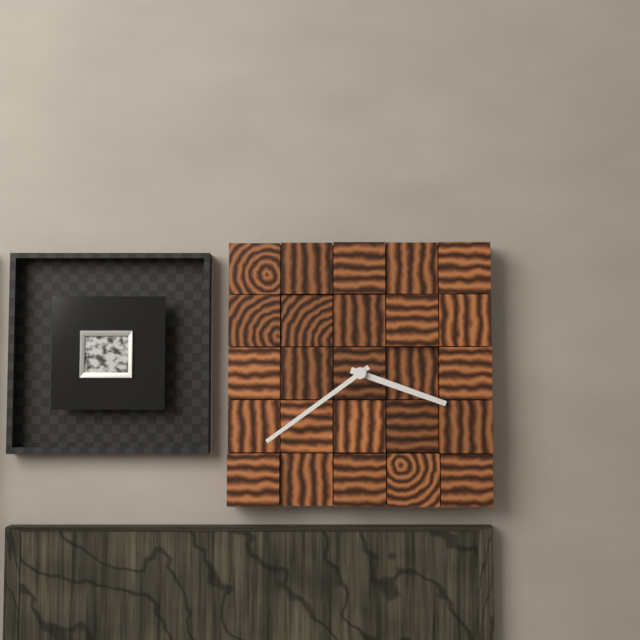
**3:39**
